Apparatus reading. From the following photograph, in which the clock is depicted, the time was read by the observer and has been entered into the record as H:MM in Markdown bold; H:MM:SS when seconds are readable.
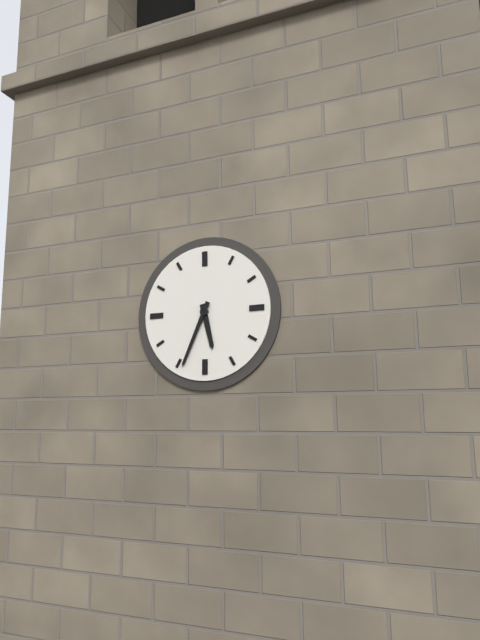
**5:34**
